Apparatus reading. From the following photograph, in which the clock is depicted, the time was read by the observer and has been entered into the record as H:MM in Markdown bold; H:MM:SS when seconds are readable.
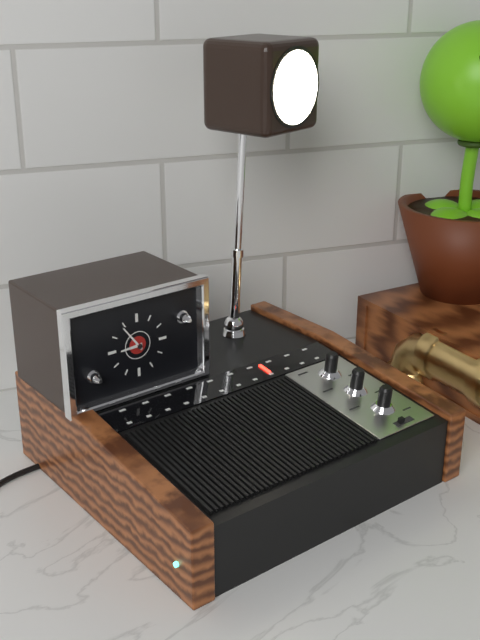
**8:54**
